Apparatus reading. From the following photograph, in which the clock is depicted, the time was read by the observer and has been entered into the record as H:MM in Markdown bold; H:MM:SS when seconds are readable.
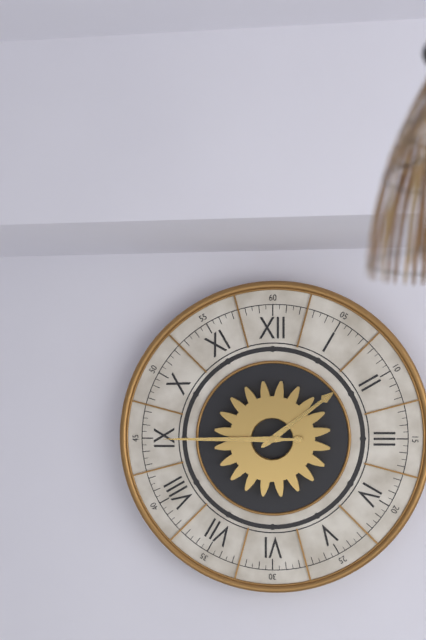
**1:45**
